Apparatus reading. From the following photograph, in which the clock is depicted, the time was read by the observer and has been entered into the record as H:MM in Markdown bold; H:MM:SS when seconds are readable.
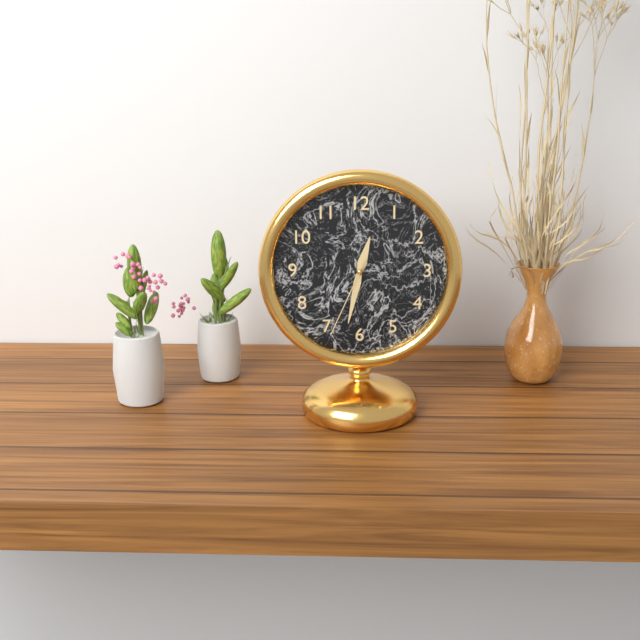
**12:32:34**
